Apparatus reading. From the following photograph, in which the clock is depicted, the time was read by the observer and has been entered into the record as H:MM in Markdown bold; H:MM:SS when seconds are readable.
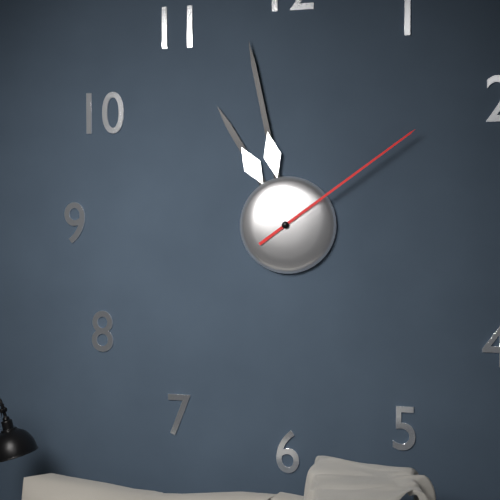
**10:58:09**
